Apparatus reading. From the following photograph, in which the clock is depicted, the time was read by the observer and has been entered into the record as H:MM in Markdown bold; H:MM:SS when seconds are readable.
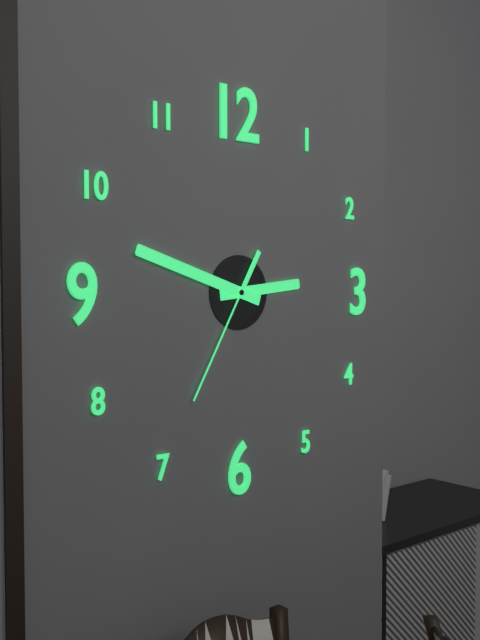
**2:48:35**
